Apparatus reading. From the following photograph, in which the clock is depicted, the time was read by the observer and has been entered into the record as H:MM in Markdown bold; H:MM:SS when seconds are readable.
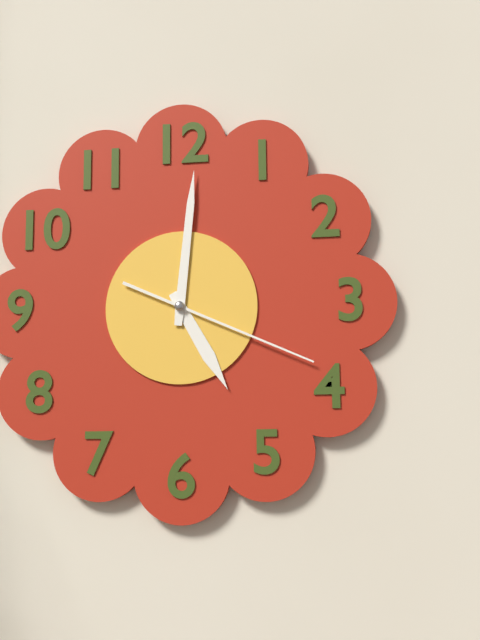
**5:01:19**
